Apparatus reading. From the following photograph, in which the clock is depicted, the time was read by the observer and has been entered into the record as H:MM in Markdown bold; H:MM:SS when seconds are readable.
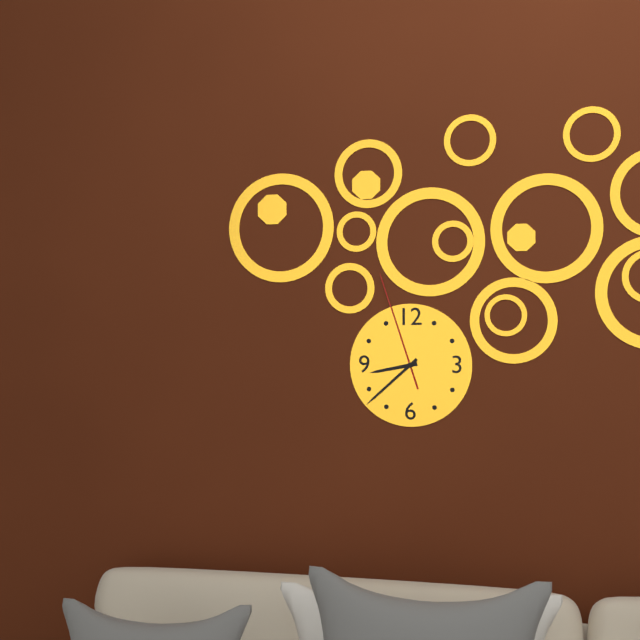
**8:38:57**
